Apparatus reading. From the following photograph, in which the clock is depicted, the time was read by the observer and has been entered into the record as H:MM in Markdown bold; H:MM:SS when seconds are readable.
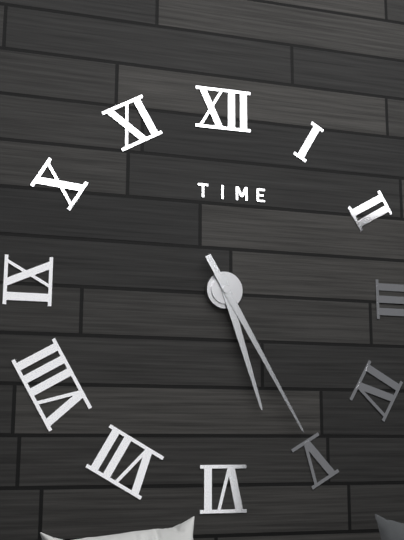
**5:25**
